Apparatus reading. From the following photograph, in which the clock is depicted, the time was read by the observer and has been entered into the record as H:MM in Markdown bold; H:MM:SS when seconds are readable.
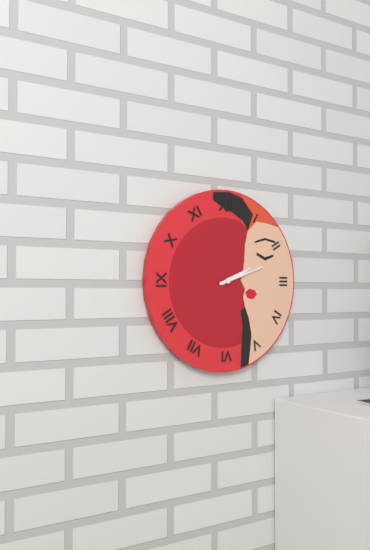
**2:12**
